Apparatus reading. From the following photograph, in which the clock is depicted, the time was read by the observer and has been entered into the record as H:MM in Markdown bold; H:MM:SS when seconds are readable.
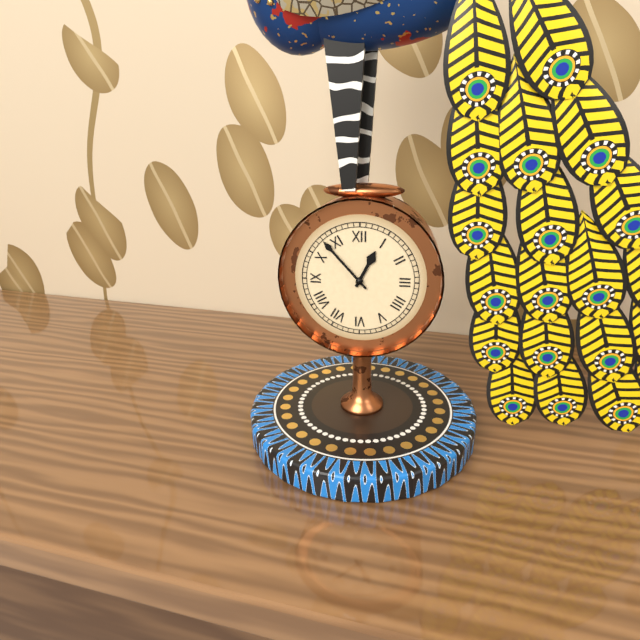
**12:53**
